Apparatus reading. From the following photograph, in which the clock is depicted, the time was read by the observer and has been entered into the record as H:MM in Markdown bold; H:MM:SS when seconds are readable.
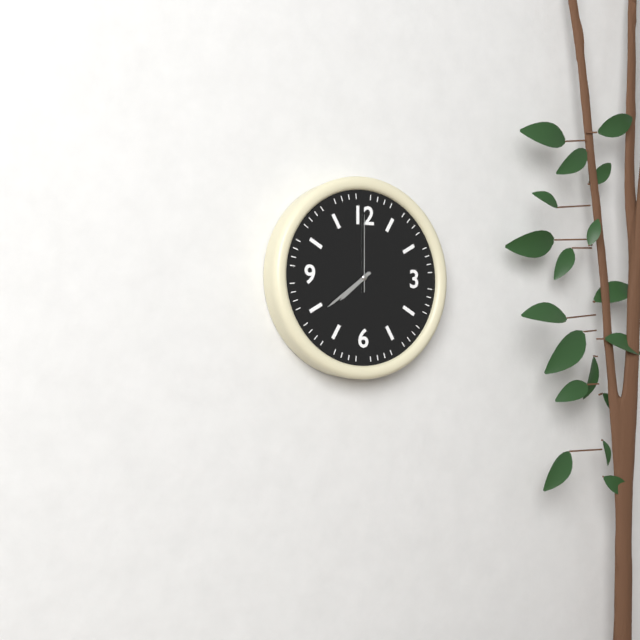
**7:39:00**
